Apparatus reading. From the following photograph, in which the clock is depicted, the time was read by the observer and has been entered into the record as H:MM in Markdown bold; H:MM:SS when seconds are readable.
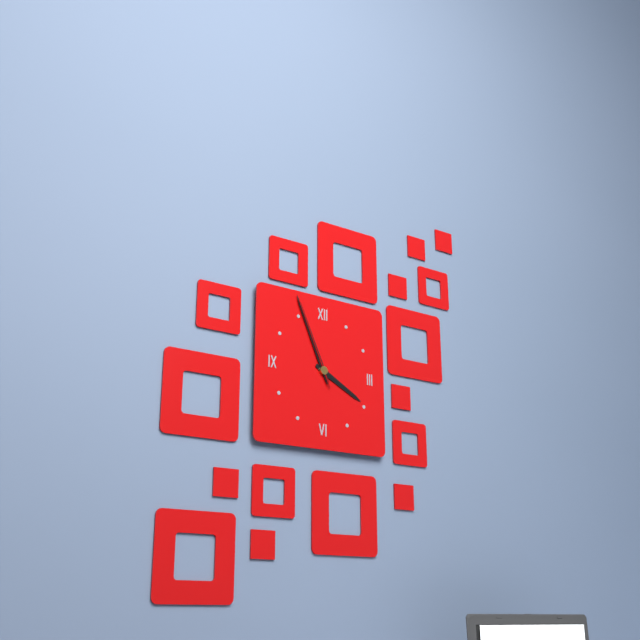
**3:56:56**
